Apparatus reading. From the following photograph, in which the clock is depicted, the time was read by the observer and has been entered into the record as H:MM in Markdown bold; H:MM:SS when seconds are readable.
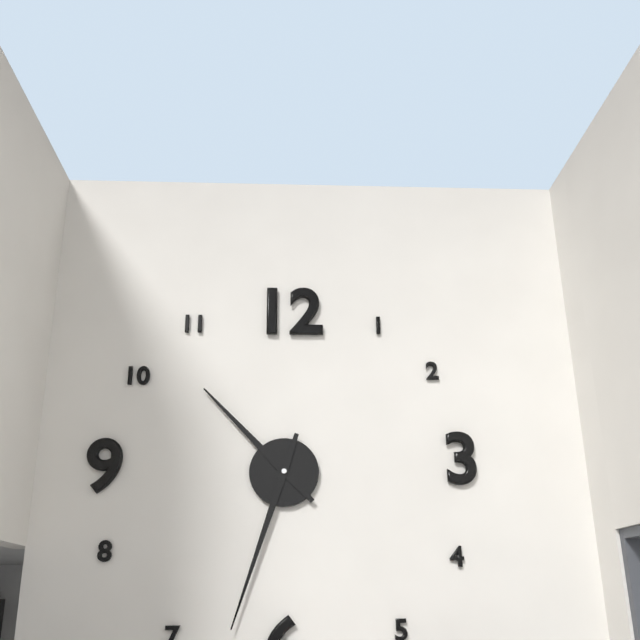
**10:33**
